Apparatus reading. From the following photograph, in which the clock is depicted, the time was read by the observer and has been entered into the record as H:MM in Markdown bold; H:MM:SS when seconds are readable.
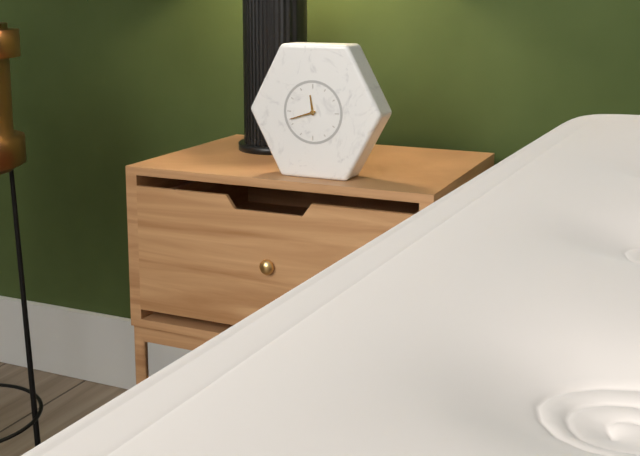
**11:42**
